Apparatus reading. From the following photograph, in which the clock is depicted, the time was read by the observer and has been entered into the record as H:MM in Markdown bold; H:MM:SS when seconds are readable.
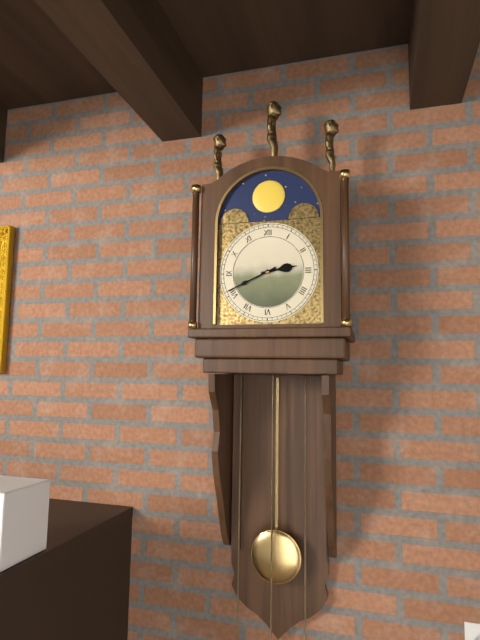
**2:41**
